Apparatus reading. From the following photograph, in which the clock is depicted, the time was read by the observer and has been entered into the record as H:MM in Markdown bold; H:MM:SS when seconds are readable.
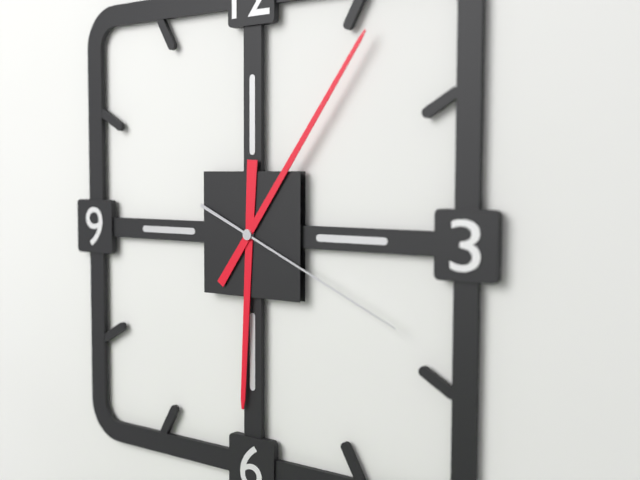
**6:06:19**
